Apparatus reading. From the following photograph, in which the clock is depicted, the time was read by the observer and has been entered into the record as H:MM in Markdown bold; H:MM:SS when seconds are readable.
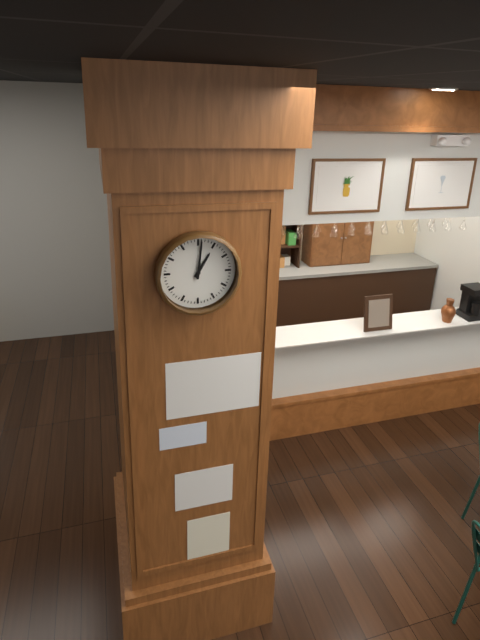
**1:01**
